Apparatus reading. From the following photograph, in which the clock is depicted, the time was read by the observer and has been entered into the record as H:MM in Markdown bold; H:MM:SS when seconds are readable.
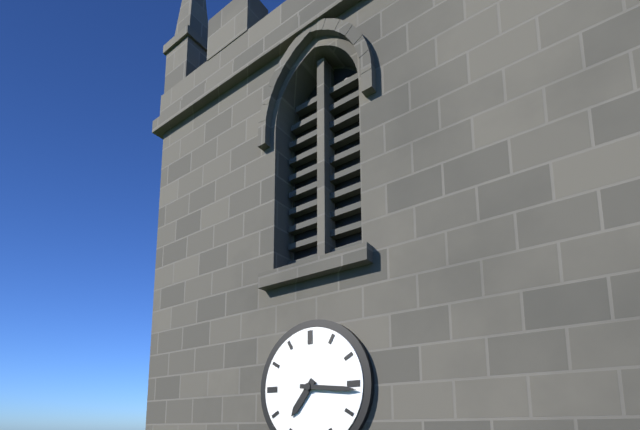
**7:16**
